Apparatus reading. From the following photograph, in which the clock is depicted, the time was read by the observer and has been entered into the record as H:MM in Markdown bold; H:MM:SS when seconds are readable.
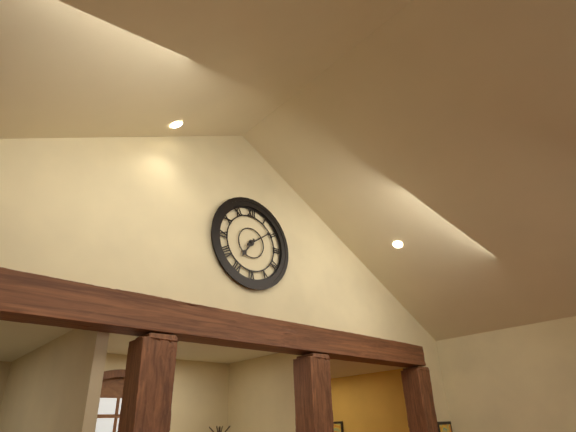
**7:09**
